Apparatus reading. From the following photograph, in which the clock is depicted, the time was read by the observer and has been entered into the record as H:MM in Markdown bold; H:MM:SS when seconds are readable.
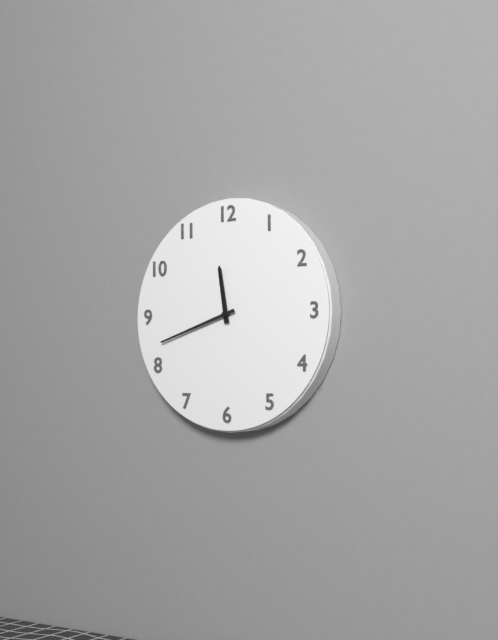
**11:42**
